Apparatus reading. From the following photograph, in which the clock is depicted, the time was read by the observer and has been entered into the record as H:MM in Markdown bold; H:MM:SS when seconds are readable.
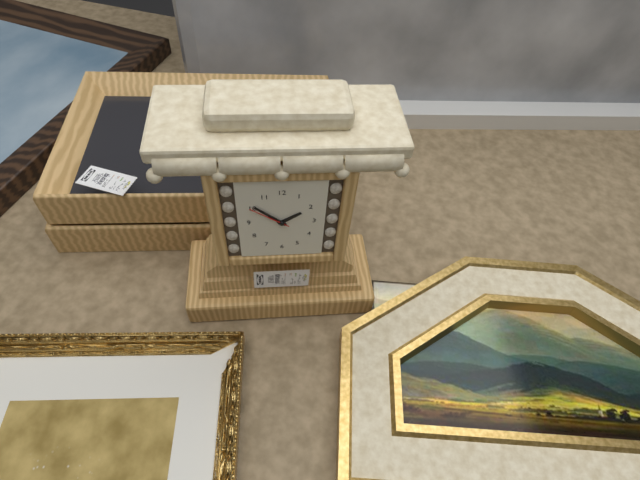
**1:52**
